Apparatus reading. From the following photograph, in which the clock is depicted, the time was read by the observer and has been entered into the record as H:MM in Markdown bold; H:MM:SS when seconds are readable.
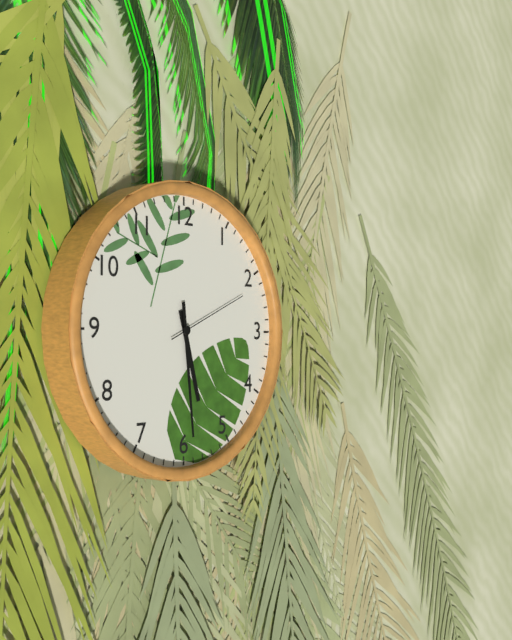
**5:29:11**
